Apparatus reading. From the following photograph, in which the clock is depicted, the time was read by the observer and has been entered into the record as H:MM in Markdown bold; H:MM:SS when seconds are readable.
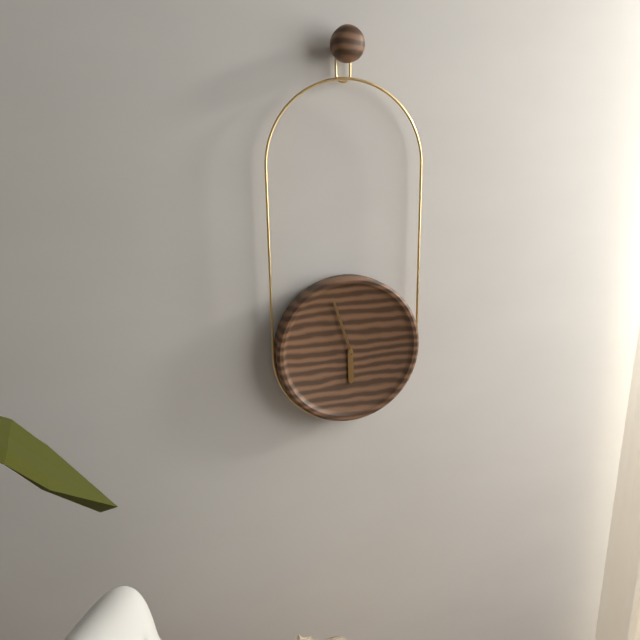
**5:57**
